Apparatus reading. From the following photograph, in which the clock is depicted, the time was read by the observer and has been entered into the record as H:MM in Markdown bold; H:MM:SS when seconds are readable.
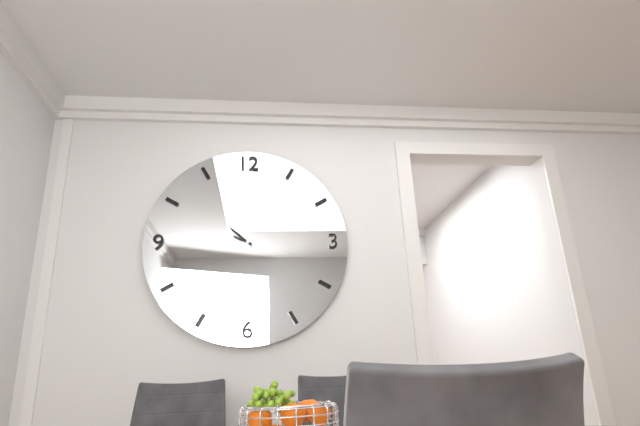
**9:52**
